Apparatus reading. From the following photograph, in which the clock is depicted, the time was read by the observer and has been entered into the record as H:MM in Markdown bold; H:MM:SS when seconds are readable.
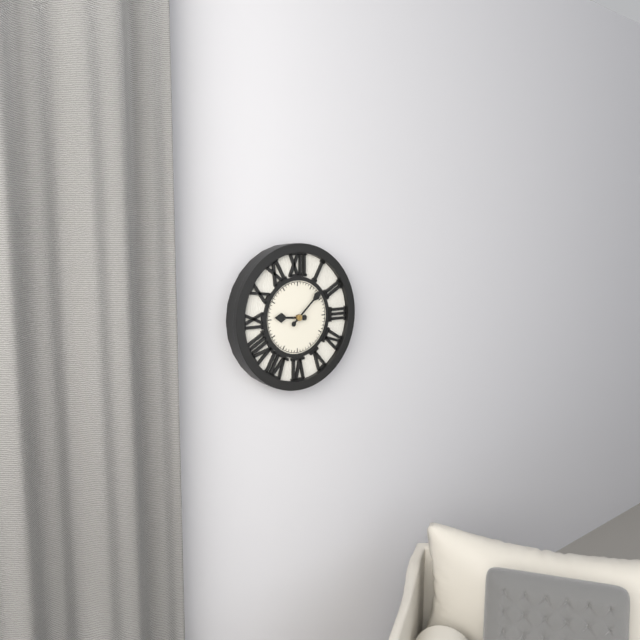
**9:08**
